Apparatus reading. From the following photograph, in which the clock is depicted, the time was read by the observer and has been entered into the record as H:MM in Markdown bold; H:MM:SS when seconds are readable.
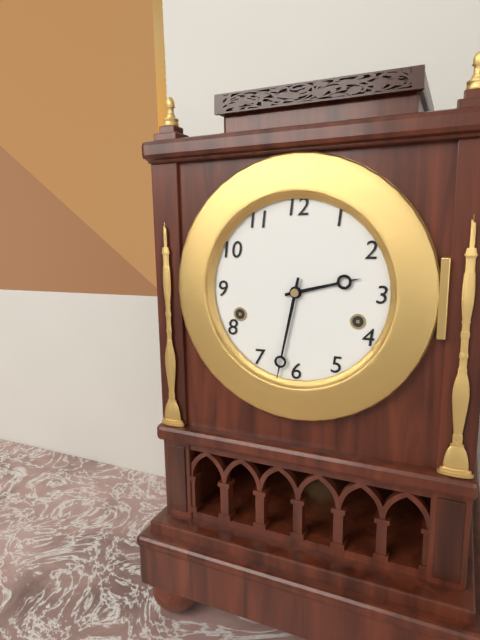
**2:32**
